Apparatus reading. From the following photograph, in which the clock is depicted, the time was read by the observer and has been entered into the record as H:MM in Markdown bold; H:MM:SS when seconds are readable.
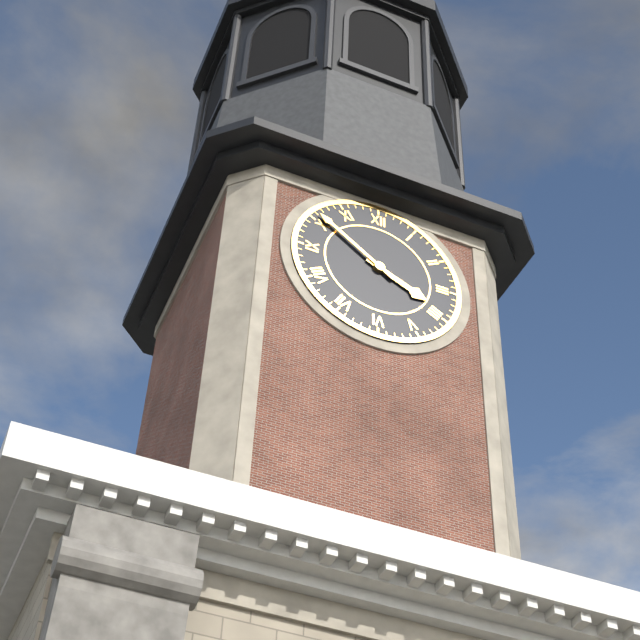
**3:51**
